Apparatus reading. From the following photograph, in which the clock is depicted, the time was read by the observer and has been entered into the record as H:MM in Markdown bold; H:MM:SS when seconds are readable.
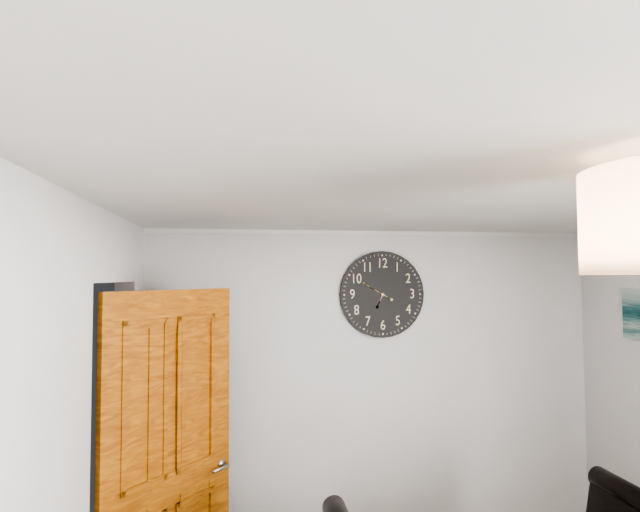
**6:50**
